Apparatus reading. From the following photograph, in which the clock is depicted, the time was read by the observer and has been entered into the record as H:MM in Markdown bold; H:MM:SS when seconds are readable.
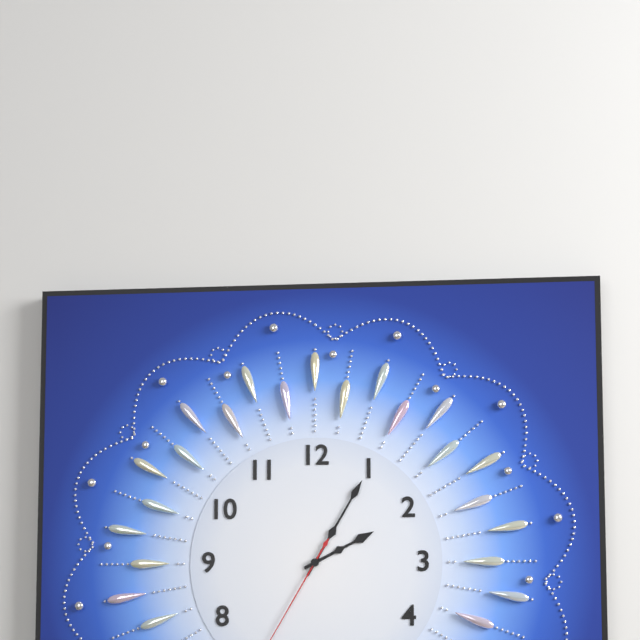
**2:05**
